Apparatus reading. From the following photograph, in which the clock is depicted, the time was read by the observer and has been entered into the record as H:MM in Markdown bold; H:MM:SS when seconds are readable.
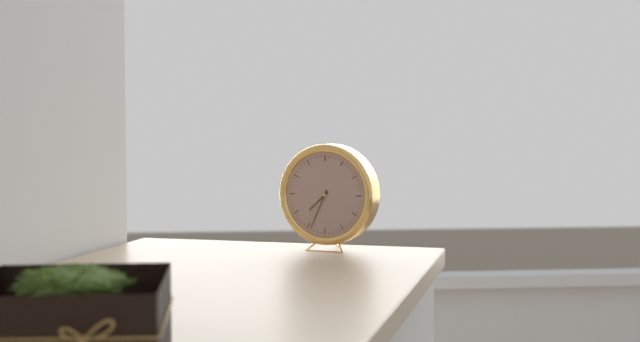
**7:34**
